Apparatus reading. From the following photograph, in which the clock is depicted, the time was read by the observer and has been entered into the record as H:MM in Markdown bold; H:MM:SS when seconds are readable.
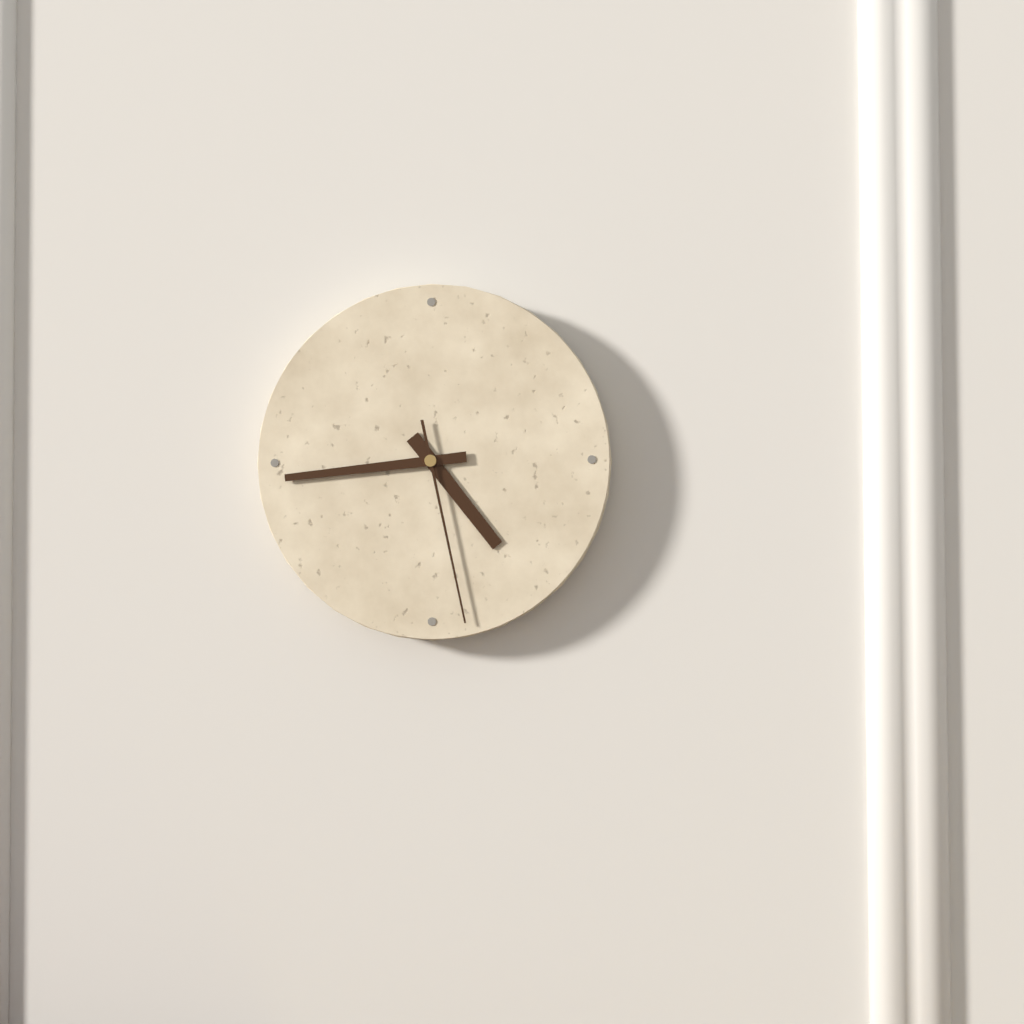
**4:44:28**
